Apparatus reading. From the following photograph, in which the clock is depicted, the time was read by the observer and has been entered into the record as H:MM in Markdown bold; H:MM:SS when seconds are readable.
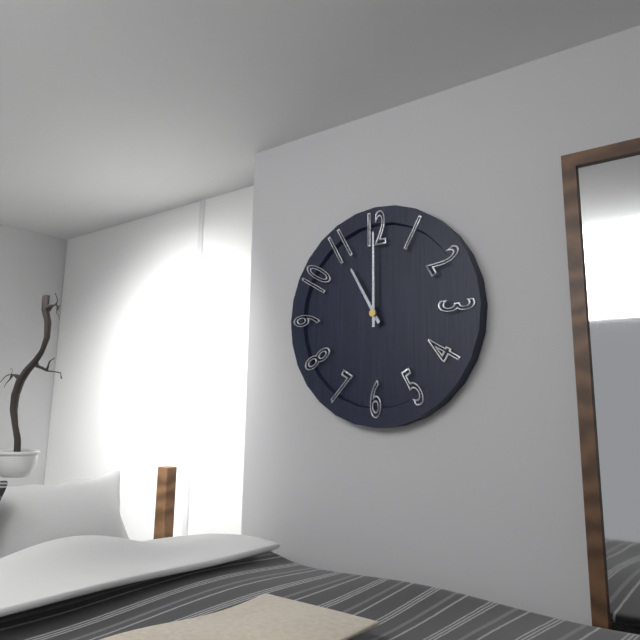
**11:00**
